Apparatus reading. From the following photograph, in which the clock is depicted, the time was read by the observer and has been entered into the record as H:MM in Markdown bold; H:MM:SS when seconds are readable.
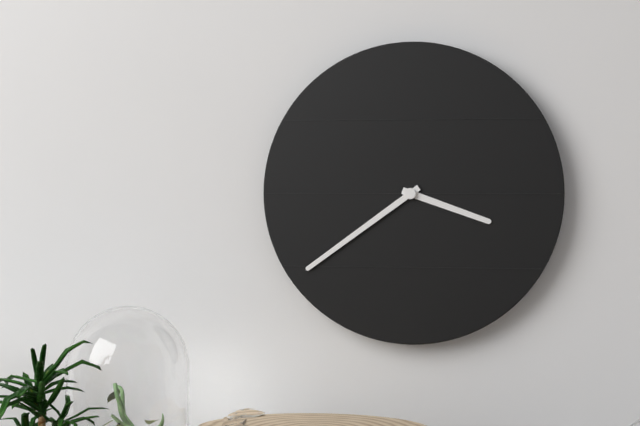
**3:39**
